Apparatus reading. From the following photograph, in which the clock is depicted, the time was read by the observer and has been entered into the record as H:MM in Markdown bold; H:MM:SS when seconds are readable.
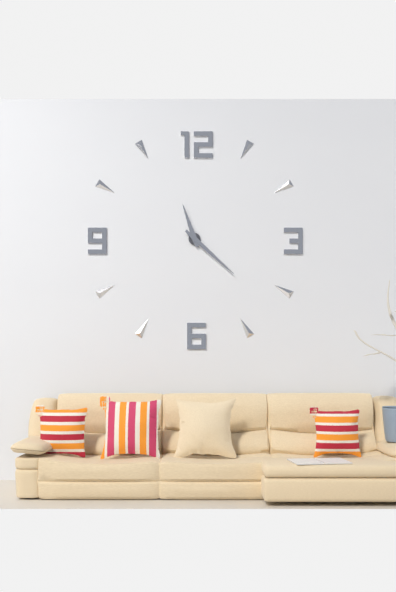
**11:22**
